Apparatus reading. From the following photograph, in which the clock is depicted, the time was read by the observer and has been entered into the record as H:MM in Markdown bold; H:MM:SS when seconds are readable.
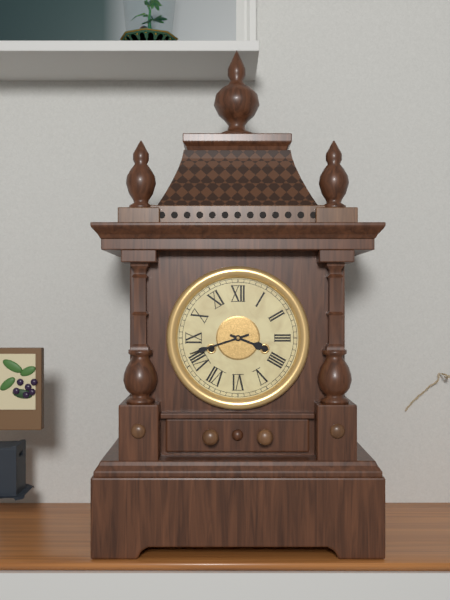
**3:42**
